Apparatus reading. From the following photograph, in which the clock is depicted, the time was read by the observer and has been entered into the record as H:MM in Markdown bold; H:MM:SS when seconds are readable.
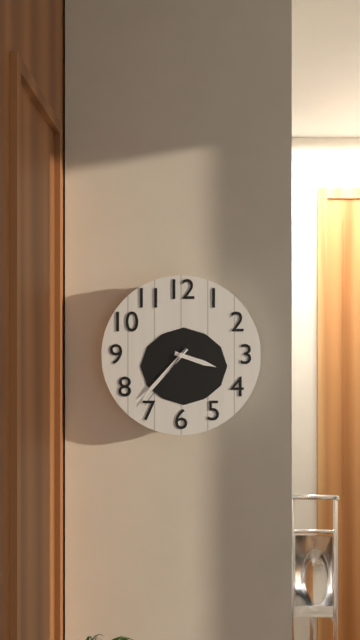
**3:37:36**
